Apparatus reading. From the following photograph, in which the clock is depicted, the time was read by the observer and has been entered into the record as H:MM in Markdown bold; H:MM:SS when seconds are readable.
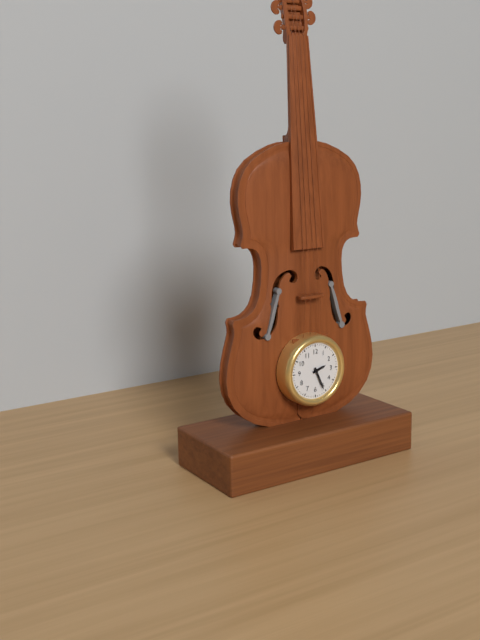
**2:26**
